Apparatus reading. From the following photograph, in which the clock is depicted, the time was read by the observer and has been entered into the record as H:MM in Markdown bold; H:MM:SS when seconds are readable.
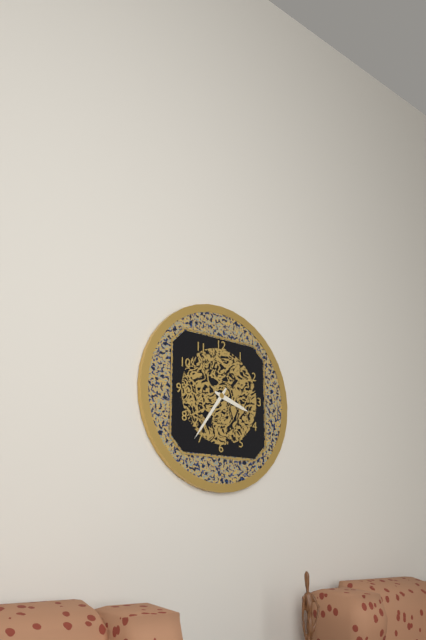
**3:36**
